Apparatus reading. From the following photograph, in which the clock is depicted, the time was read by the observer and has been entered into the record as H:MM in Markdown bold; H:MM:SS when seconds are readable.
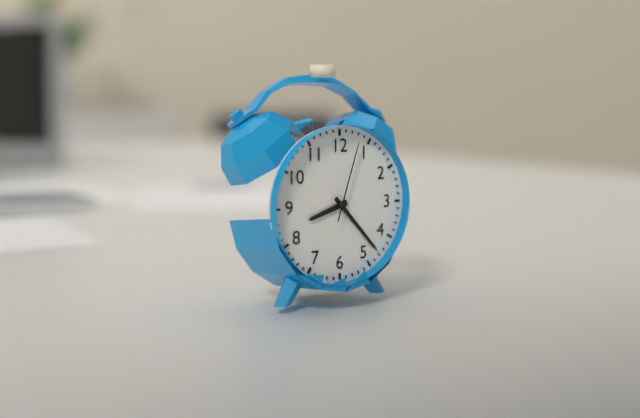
**8:23:03**
